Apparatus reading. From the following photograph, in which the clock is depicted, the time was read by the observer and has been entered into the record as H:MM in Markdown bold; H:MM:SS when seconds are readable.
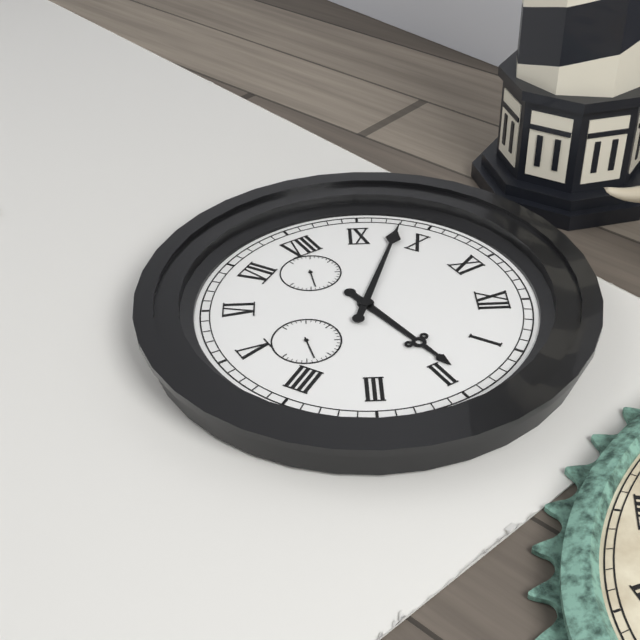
**1:48**
